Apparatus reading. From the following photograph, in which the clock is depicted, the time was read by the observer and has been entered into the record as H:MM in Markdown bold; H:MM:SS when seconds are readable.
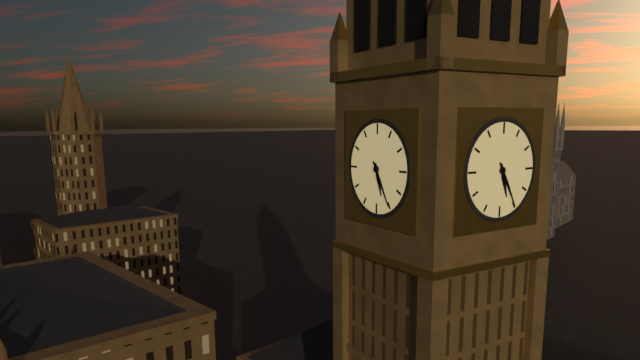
**5:25**
